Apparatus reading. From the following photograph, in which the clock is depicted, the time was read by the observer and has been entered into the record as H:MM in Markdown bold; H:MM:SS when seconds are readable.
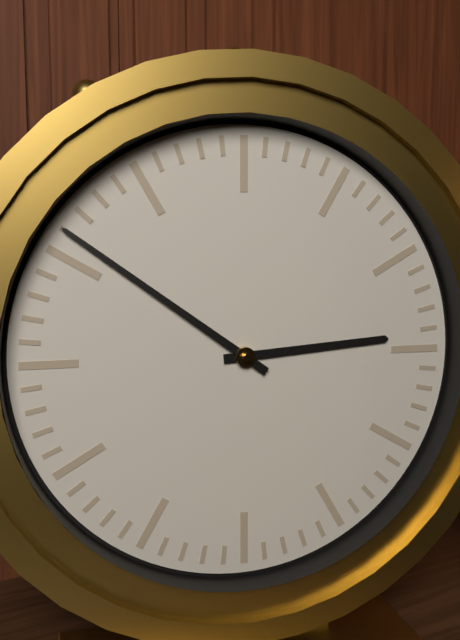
**2:51**
